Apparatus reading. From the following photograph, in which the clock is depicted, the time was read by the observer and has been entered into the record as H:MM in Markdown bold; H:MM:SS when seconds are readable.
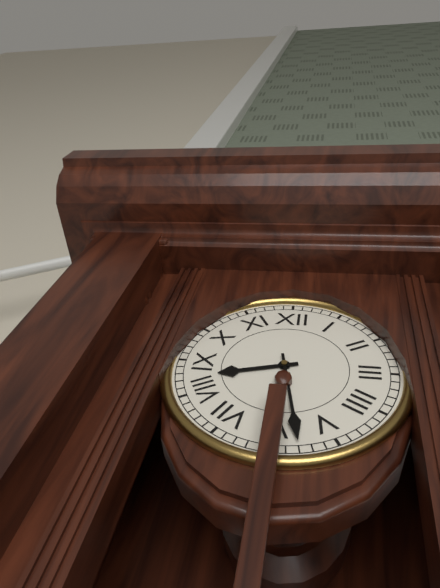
**8:28**
